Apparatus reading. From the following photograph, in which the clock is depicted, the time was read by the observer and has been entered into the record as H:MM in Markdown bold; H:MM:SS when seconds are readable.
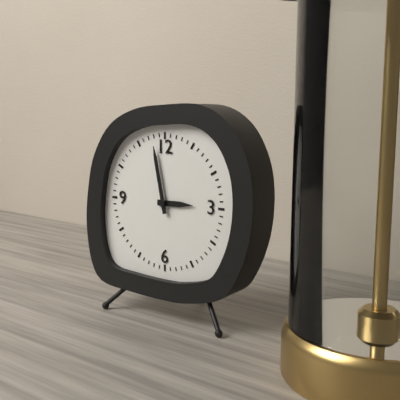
**2:58**
